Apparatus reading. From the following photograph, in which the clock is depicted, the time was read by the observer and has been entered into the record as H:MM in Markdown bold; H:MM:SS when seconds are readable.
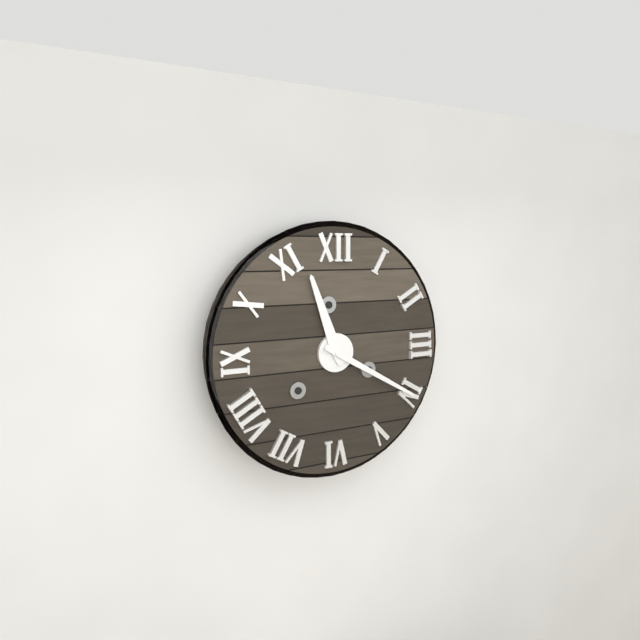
**11:20**
